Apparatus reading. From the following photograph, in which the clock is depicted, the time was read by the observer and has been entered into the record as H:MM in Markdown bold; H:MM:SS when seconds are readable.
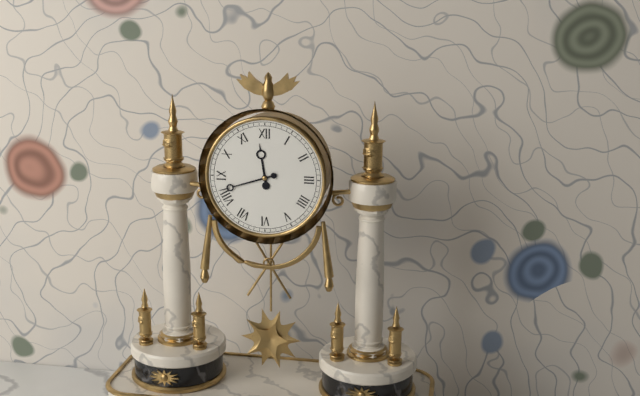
**11:42**
